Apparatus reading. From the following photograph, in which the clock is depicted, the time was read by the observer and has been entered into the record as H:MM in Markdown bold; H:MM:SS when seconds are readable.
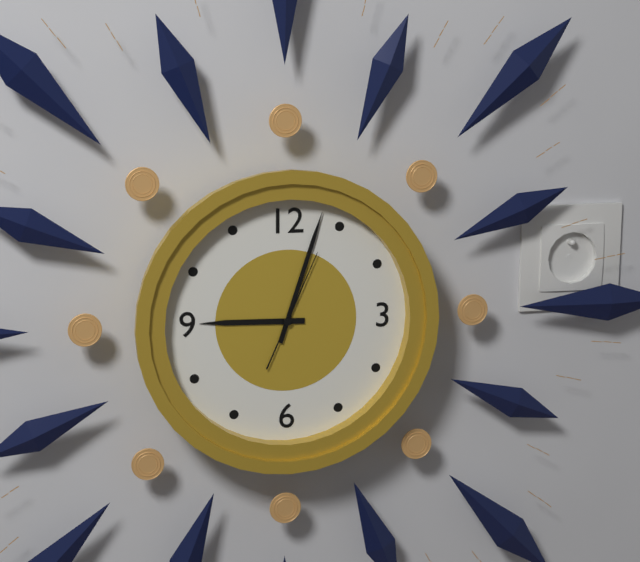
**9:03:04**
